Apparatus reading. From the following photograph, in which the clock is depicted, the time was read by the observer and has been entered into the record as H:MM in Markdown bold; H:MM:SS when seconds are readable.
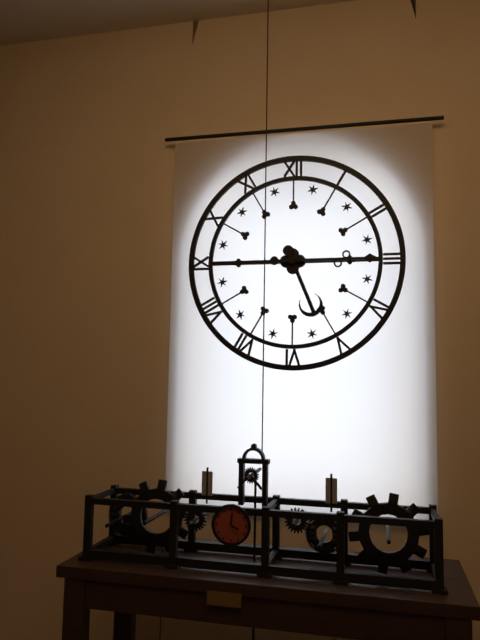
**5:15**
